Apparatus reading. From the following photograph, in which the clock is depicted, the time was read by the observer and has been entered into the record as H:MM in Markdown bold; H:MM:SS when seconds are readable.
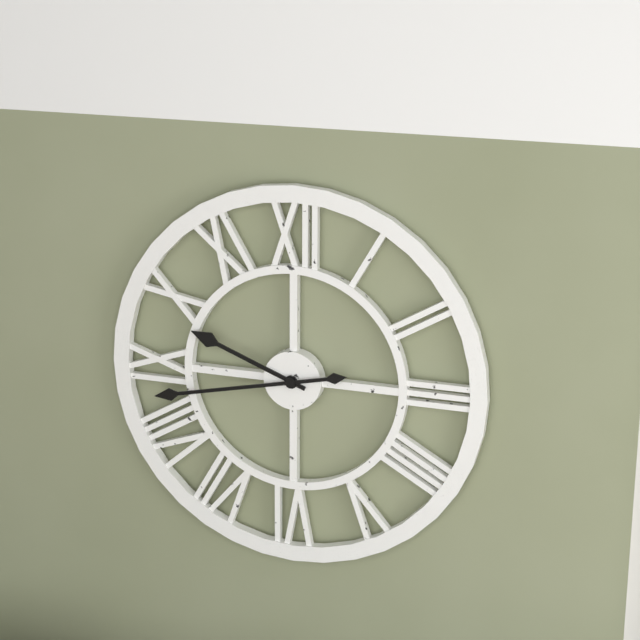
**9:43**
